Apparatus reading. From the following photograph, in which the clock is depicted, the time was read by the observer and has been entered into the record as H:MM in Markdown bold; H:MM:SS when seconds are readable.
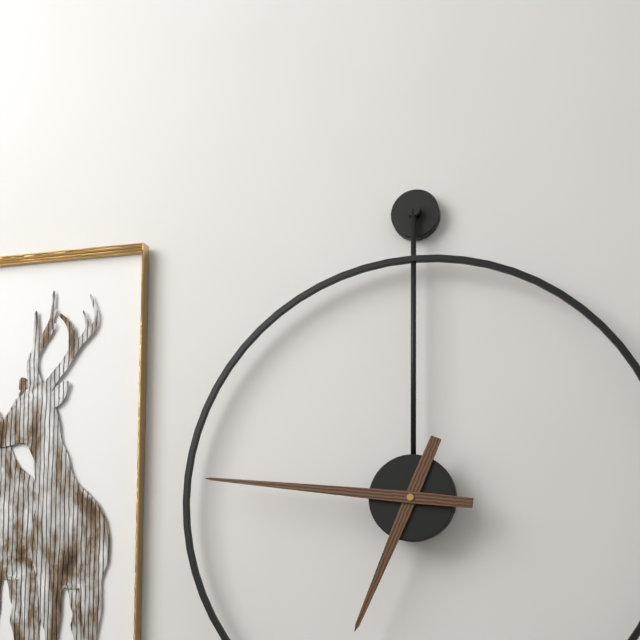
**6:46**
